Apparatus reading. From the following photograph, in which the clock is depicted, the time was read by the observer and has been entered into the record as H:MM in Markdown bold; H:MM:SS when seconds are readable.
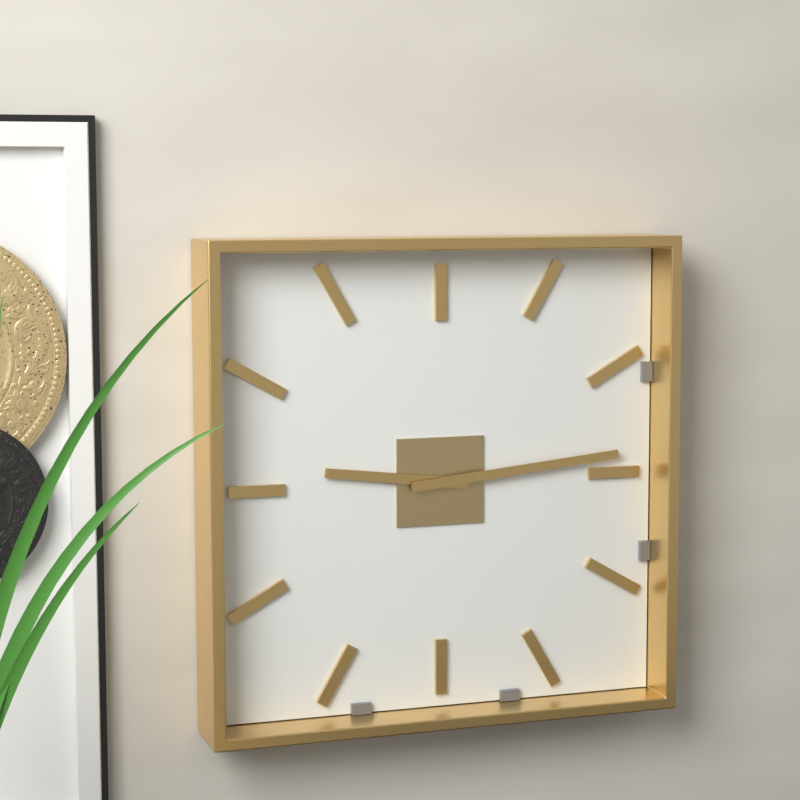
**9:14**
